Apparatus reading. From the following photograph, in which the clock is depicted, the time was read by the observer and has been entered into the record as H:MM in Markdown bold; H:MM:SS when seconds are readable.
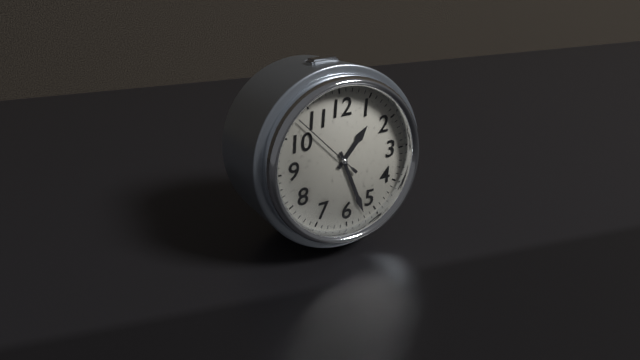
**1:27:53**
